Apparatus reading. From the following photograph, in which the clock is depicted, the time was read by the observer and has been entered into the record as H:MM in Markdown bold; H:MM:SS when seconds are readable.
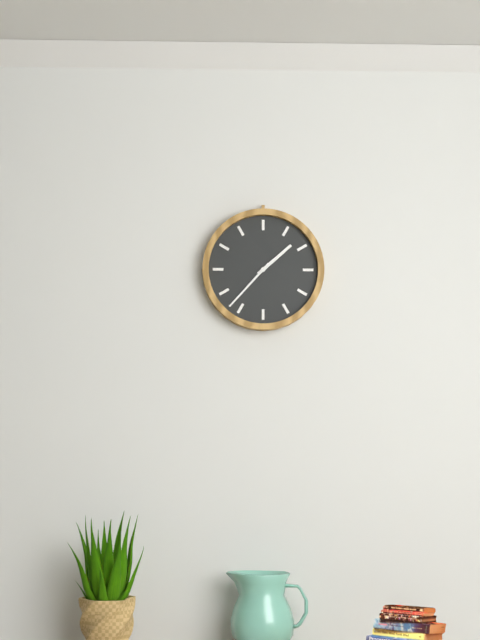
**1:37**
